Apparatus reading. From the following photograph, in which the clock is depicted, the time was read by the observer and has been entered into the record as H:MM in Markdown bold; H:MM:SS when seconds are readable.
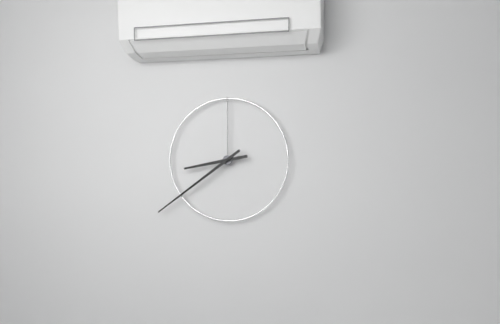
**8:39**
